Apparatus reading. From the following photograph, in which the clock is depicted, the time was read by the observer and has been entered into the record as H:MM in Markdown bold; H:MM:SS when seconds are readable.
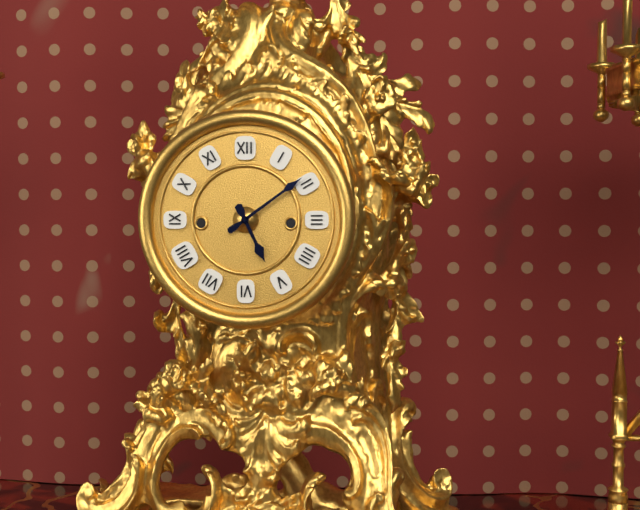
**5:09**
